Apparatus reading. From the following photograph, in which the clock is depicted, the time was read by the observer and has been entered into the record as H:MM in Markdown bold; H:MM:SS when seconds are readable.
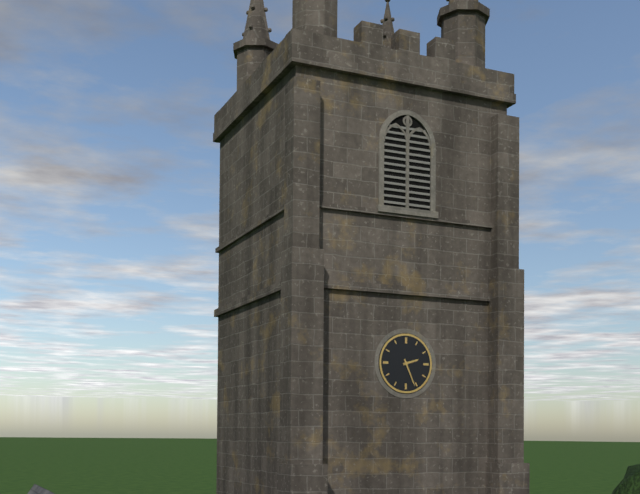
**2:26**
